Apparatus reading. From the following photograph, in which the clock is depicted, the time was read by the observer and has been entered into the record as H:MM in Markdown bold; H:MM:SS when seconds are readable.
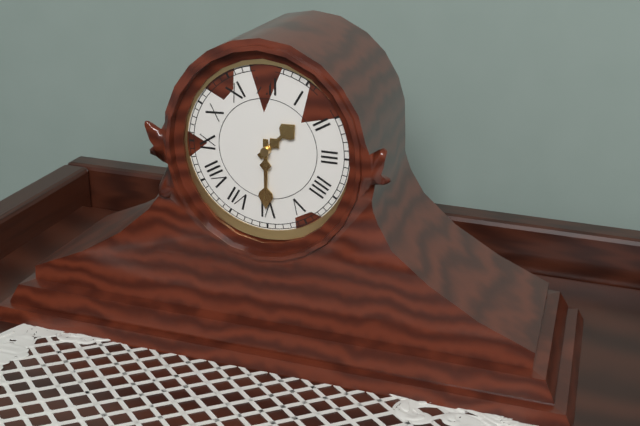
**1:30**
